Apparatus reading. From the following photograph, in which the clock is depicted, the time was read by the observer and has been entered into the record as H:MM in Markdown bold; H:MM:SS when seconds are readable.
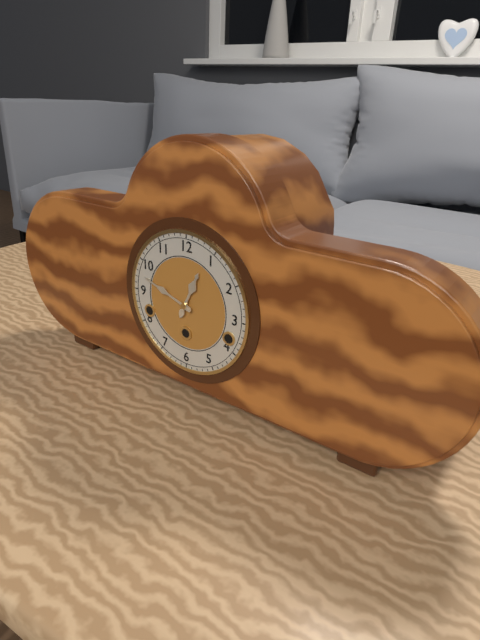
**12:48**
